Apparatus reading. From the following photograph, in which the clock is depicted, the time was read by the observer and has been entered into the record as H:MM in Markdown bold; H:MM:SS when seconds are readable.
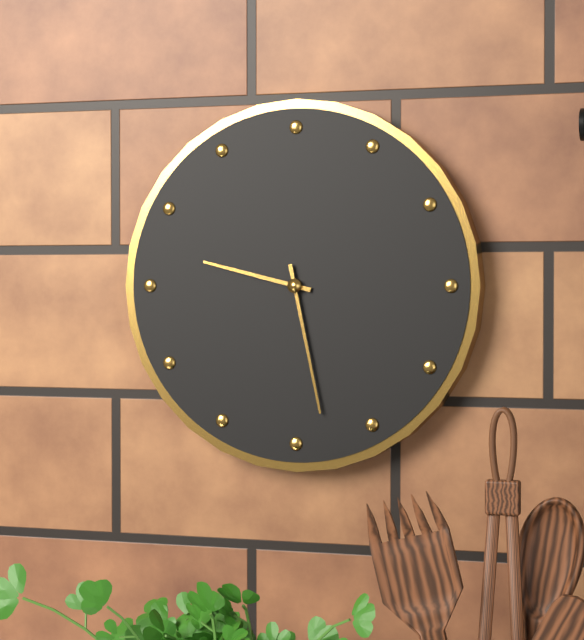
**9:28**
